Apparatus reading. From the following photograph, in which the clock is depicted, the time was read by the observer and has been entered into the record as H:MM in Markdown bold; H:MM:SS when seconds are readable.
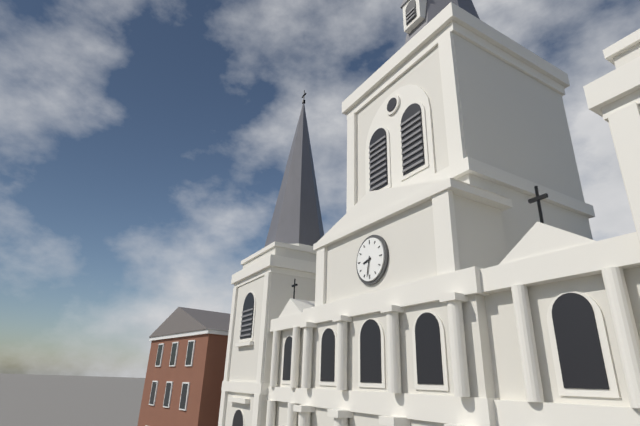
**8:32**
